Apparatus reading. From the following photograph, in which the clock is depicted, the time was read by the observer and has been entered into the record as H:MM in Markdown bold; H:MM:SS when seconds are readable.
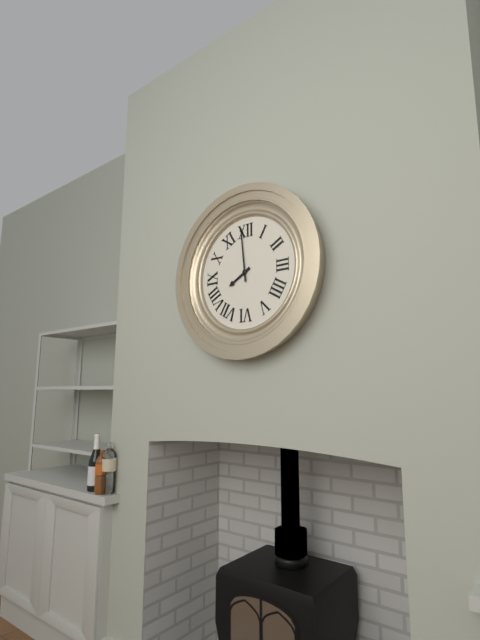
**7:59**
